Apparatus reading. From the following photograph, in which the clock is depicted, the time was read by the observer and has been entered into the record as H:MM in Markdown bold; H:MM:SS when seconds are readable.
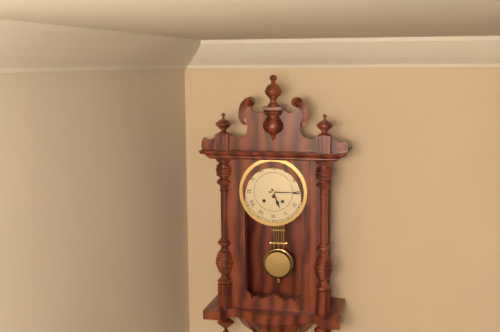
**5:15**
